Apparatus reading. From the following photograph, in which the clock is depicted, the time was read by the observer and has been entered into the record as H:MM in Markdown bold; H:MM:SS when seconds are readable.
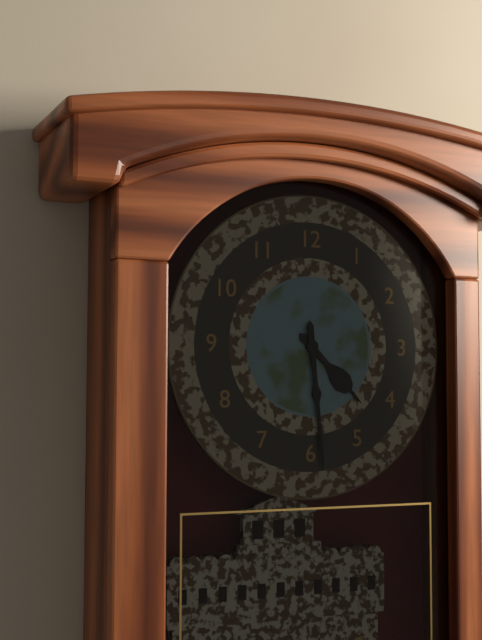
**4:29**
